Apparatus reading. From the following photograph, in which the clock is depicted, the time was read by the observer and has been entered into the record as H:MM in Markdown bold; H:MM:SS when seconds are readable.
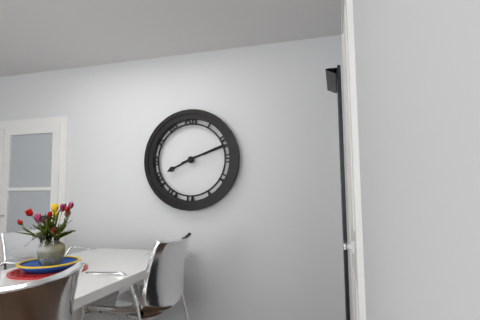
**8:12**
